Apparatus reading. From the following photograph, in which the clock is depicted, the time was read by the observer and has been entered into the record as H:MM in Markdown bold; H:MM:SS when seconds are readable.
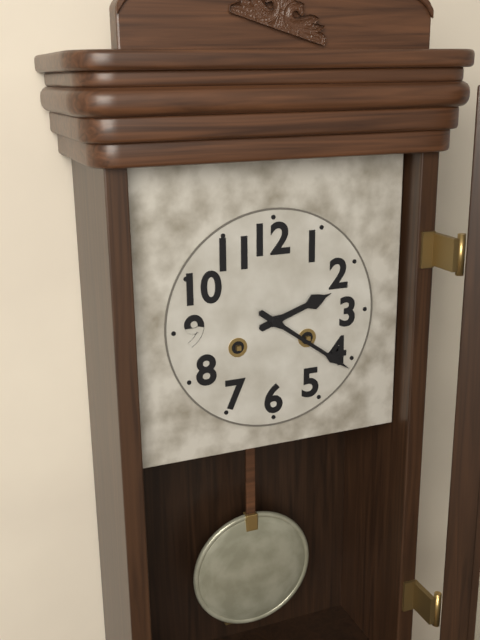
**2:21**
